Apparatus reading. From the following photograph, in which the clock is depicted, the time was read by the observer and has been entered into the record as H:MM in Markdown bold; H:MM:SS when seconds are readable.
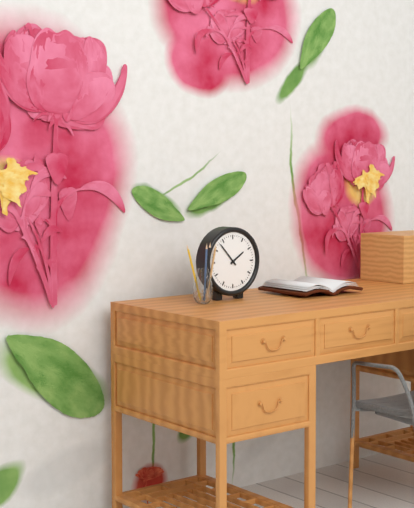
**1:53**
